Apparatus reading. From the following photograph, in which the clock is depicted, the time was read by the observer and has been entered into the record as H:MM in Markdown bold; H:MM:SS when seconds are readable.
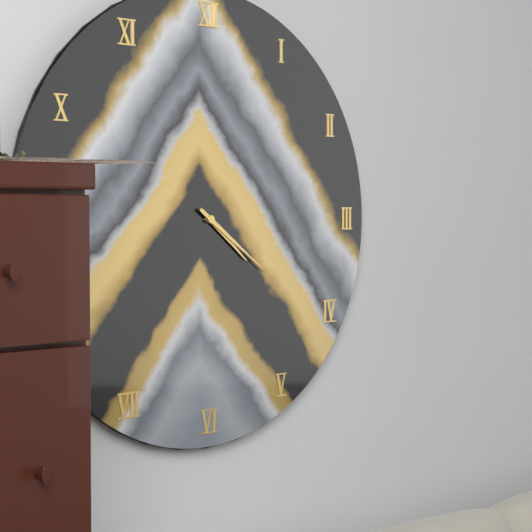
**4:21**
